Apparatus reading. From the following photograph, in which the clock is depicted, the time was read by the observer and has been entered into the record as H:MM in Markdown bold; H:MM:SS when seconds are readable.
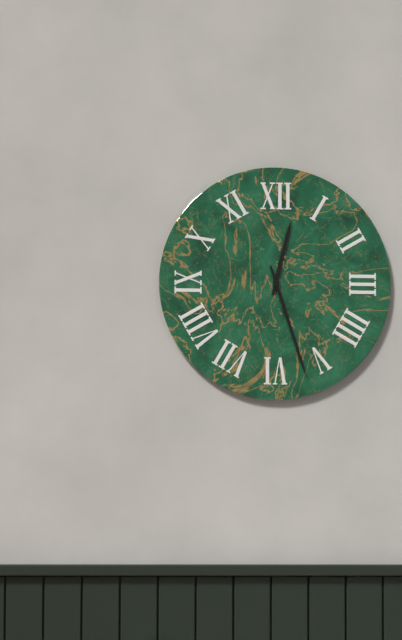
**12:27**
